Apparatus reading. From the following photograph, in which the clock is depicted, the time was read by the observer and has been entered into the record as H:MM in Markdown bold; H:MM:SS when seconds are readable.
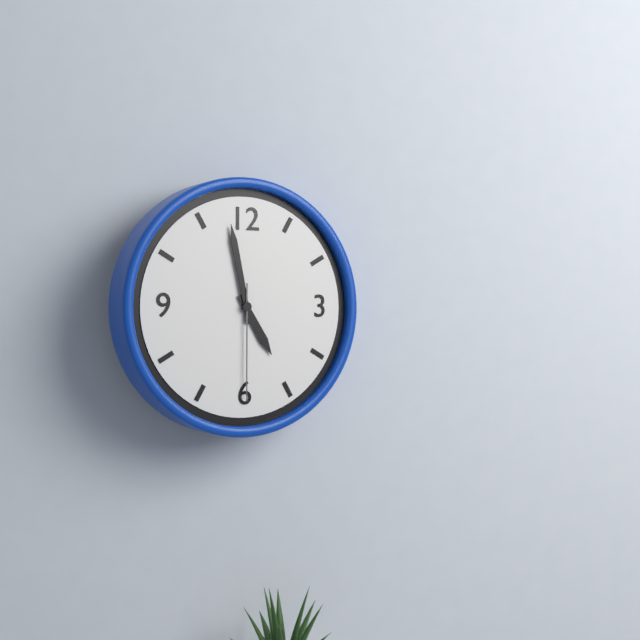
**4:58:30**
